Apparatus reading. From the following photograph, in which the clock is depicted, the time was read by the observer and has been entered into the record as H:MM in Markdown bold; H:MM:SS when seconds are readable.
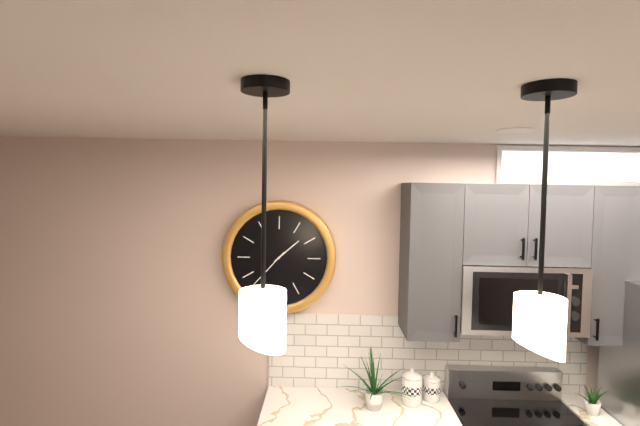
**1:37**
